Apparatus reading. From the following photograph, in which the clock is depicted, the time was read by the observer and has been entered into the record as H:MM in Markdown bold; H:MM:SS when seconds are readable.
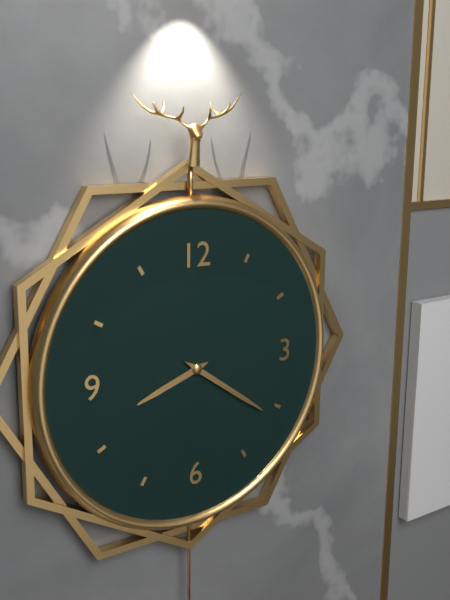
**8:21**
